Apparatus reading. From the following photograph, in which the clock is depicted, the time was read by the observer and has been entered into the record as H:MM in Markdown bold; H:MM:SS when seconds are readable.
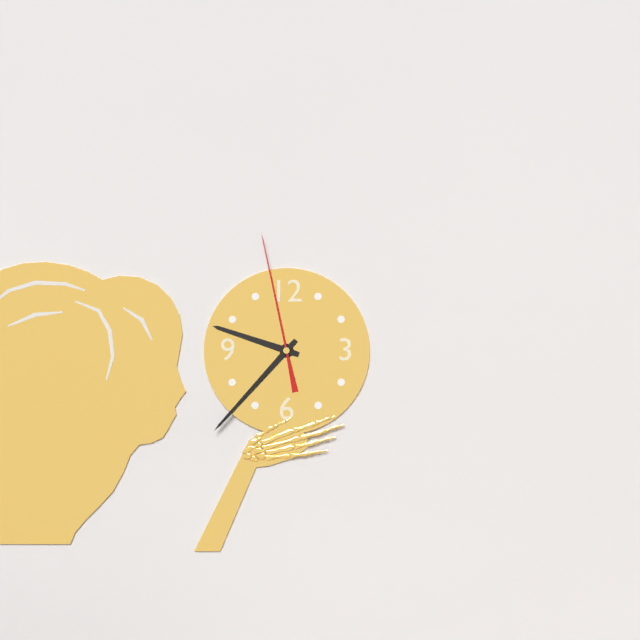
**9:37:58**
